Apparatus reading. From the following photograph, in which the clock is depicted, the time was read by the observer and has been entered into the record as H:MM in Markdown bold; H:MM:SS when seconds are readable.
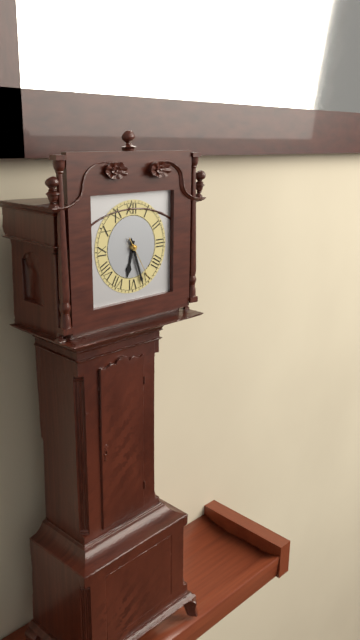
**6:27**
